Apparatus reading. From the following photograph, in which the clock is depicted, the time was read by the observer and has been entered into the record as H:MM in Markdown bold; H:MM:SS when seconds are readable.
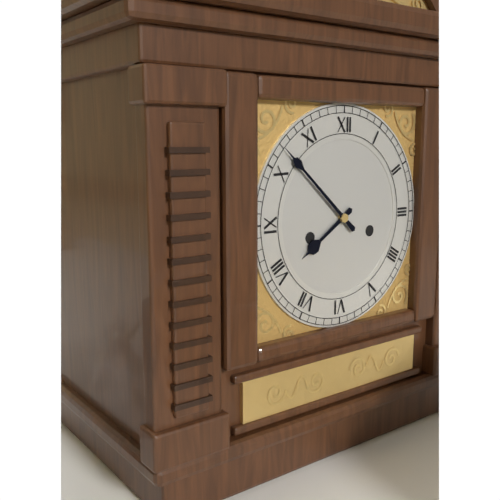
**7:52**
